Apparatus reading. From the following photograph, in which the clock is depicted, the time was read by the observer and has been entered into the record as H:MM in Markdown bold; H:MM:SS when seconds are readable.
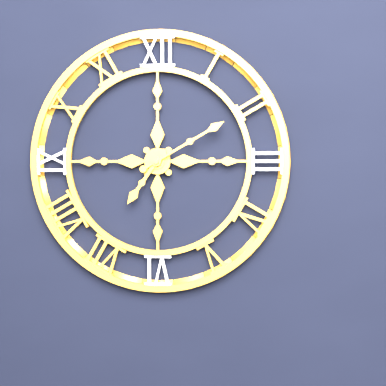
**7:10**
